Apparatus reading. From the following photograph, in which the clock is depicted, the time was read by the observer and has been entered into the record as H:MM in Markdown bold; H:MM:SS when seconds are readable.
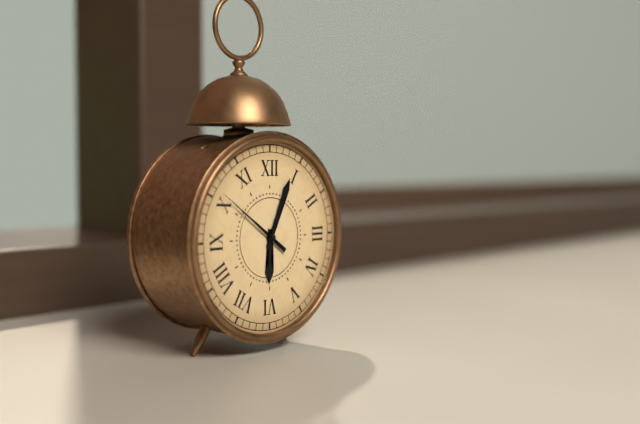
**6:04:51**
